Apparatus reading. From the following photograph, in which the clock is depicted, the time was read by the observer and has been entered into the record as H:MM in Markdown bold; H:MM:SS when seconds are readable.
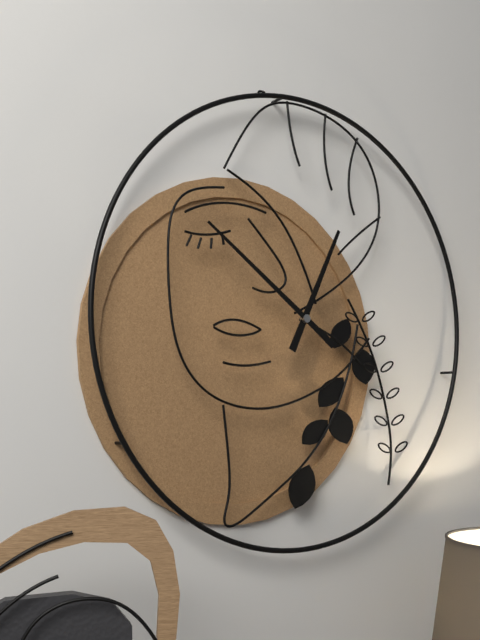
**12:51**
